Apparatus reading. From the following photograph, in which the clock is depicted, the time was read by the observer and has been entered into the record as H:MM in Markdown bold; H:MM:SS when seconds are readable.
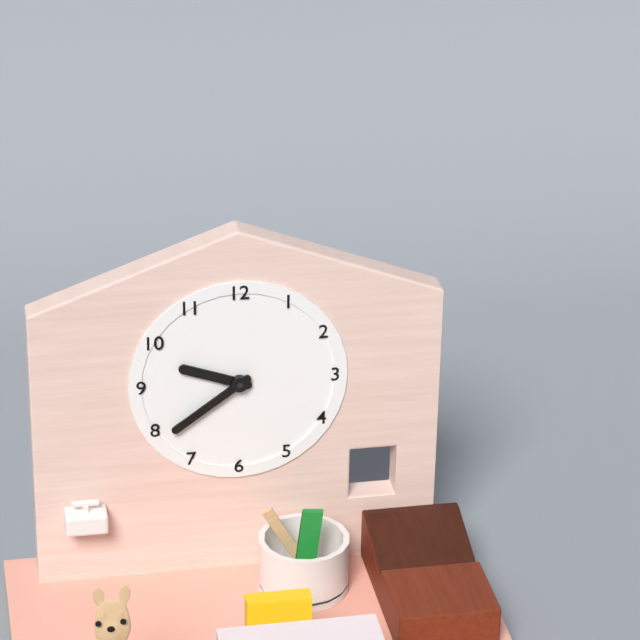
**9:39**
